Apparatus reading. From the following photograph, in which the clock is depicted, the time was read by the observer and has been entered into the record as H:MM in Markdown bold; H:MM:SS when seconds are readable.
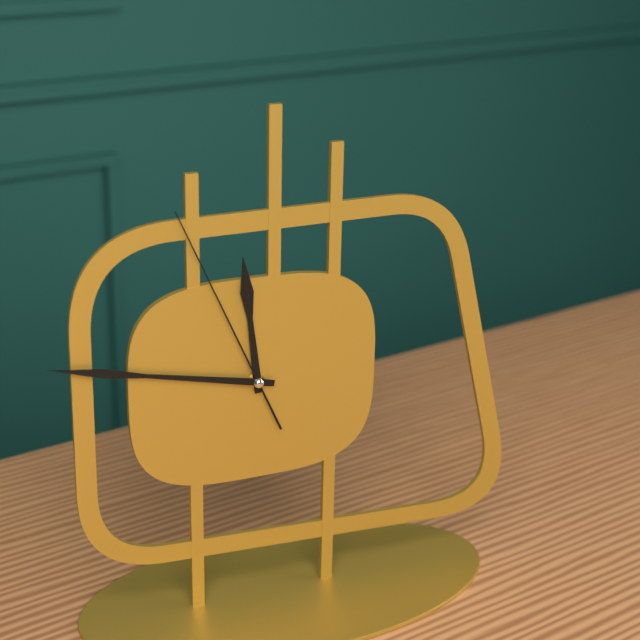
**11:47:56**
